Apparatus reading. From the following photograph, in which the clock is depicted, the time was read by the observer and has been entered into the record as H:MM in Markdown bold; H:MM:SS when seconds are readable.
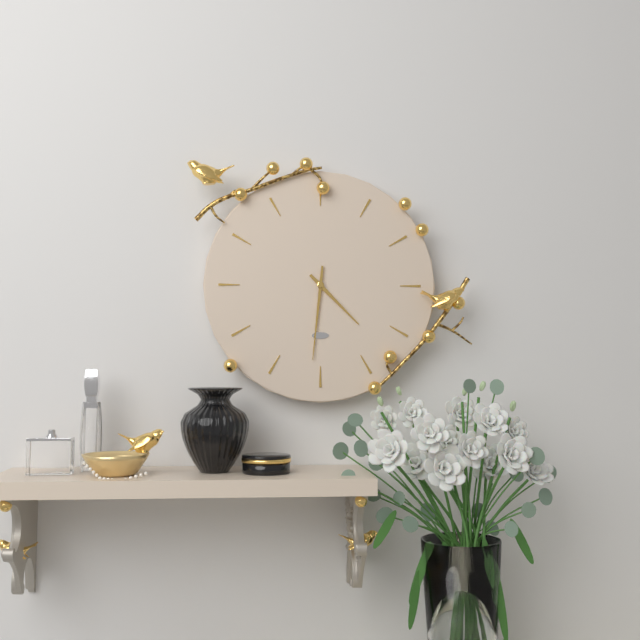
**4:31**
